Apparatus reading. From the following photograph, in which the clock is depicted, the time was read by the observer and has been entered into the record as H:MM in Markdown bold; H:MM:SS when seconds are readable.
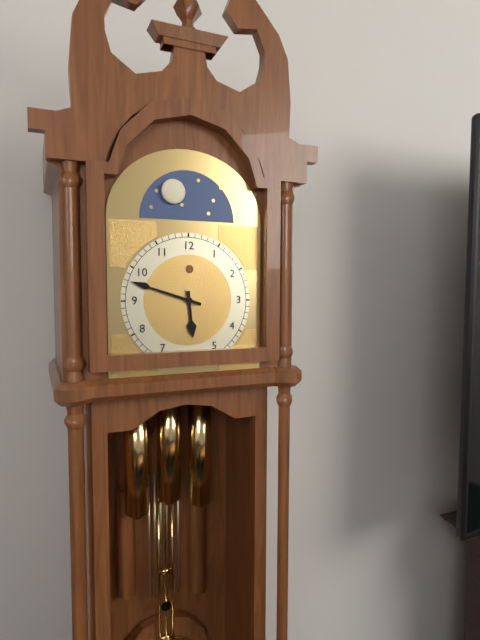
**5:48**
